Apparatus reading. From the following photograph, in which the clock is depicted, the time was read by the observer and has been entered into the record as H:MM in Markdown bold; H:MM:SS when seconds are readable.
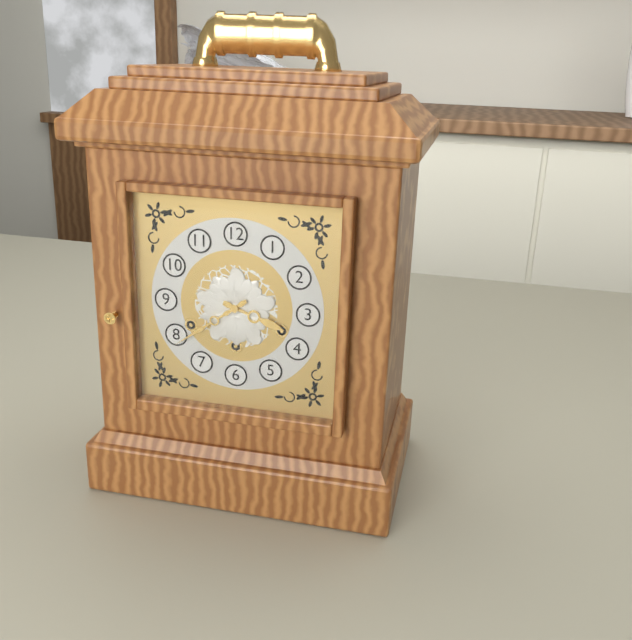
**3:39**
